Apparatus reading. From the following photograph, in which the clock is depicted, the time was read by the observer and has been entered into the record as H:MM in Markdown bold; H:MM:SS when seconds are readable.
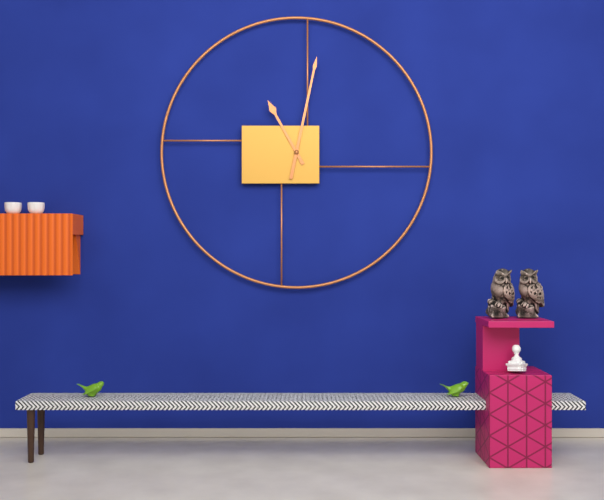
**11:02**
